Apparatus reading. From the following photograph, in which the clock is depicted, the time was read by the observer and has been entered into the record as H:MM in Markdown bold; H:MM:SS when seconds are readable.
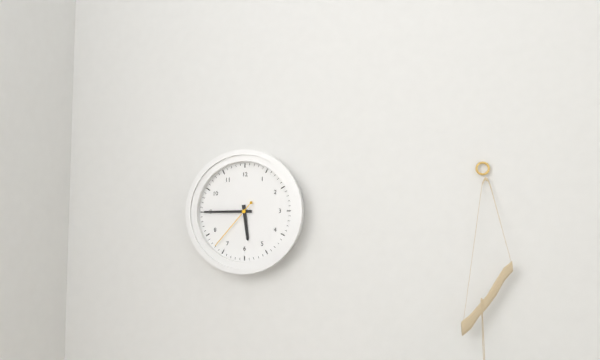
**5:45:37**
